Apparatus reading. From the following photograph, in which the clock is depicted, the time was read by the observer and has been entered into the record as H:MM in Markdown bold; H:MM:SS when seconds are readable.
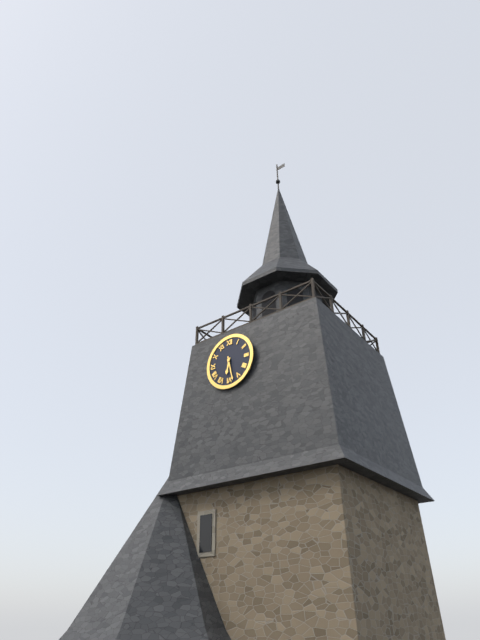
**6:28**
